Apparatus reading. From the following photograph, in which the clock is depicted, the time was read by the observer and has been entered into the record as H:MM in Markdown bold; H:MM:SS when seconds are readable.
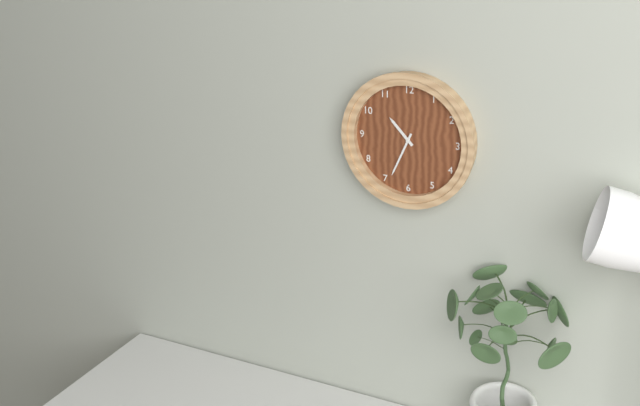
**10:34**
